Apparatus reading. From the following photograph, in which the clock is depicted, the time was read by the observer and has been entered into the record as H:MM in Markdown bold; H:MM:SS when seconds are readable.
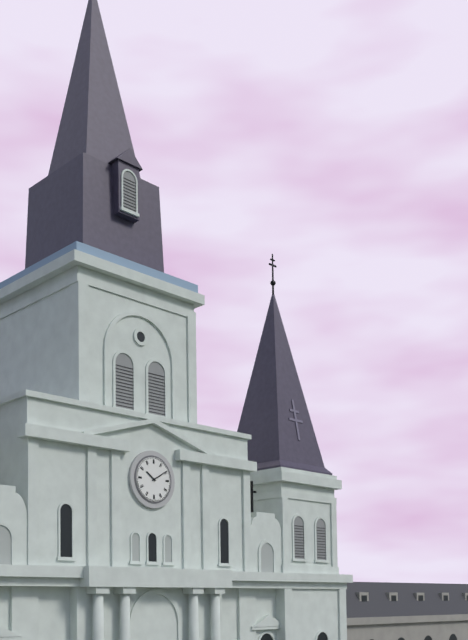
**10:10**
